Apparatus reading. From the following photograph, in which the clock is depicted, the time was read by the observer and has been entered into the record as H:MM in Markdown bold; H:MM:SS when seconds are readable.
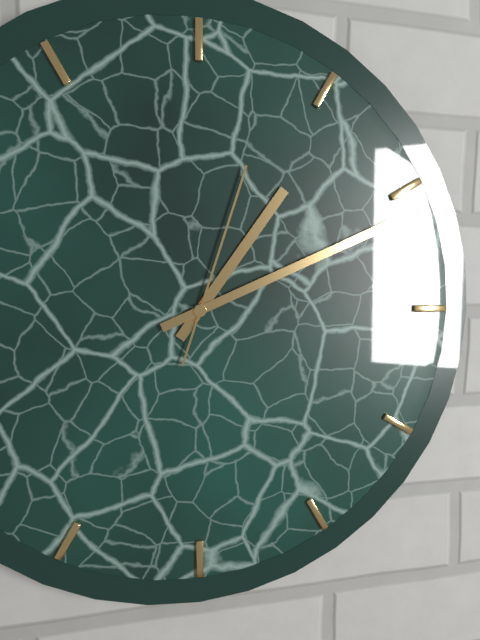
**1:11:03**
